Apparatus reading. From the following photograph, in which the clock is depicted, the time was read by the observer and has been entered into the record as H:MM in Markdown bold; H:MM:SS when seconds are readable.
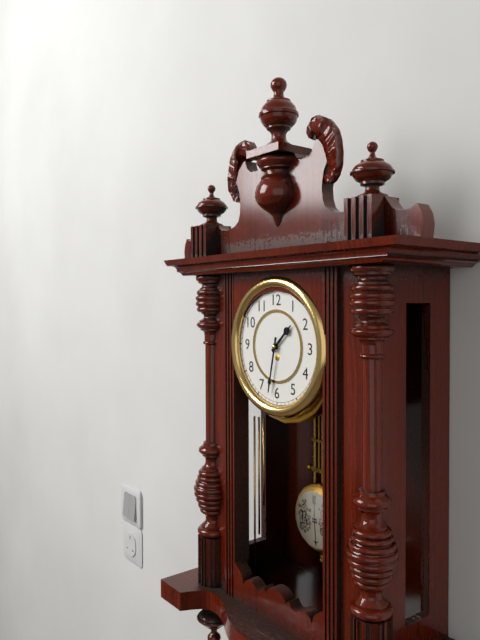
**1:32**
